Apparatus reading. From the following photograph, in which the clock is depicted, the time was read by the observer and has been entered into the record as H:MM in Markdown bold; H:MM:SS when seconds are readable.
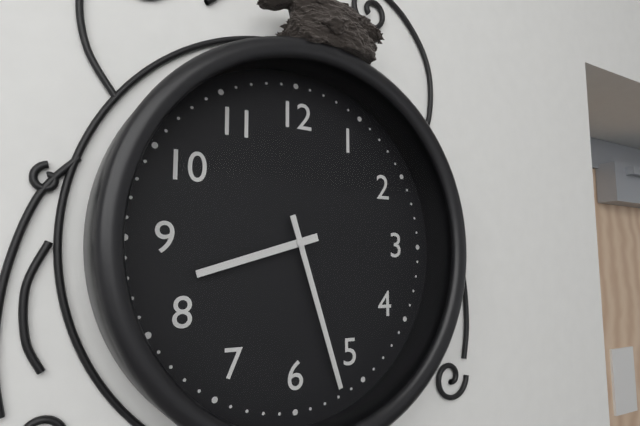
**8:27**
